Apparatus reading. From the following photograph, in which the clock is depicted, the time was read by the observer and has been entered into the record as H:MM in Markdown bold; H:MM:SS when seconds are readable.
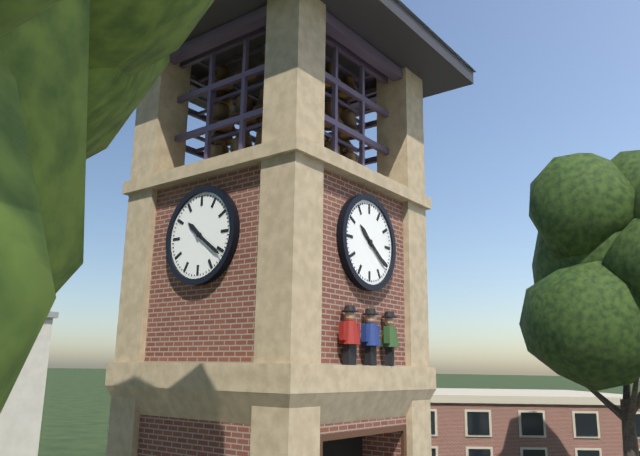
**10:21**
